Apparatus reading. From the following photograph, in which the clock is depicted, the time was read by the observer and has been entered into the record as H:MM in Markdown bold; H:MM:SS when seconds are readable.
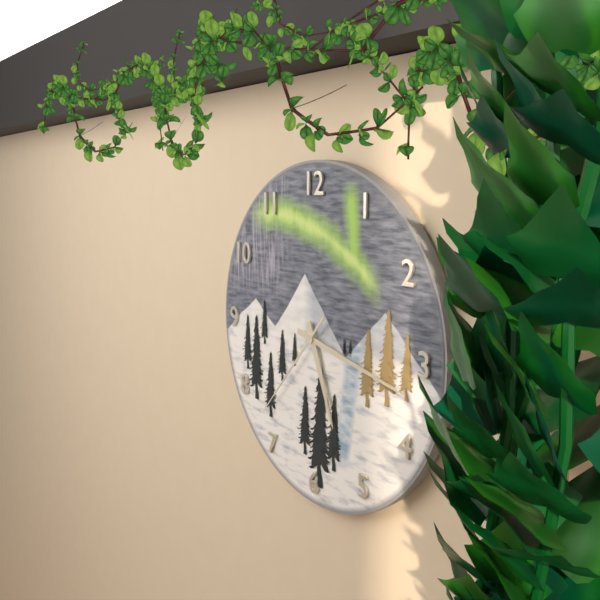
**5:17:37**
